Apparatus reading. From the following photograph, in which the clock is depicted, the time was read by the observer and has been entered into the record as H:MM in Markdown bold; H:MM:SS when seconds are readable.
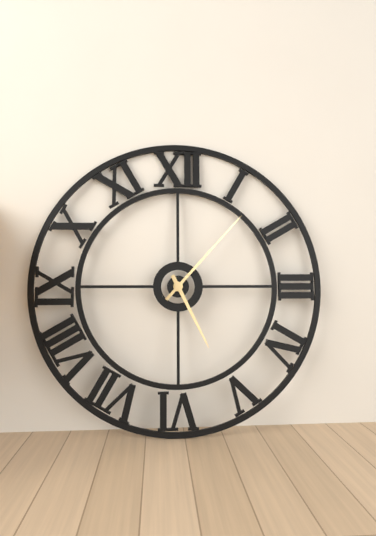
**5:07**
